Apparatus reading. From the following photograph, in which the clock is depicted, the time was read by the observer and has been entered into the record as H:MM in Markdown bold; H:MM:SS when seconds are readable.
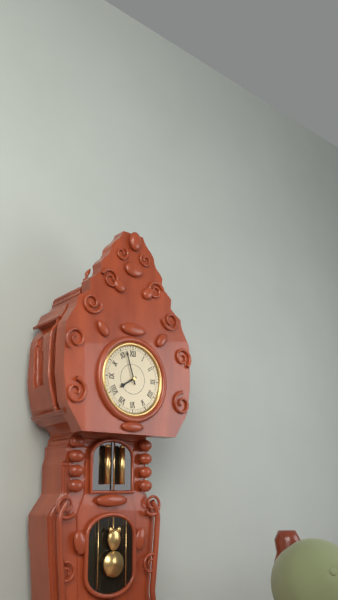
**7:57**
